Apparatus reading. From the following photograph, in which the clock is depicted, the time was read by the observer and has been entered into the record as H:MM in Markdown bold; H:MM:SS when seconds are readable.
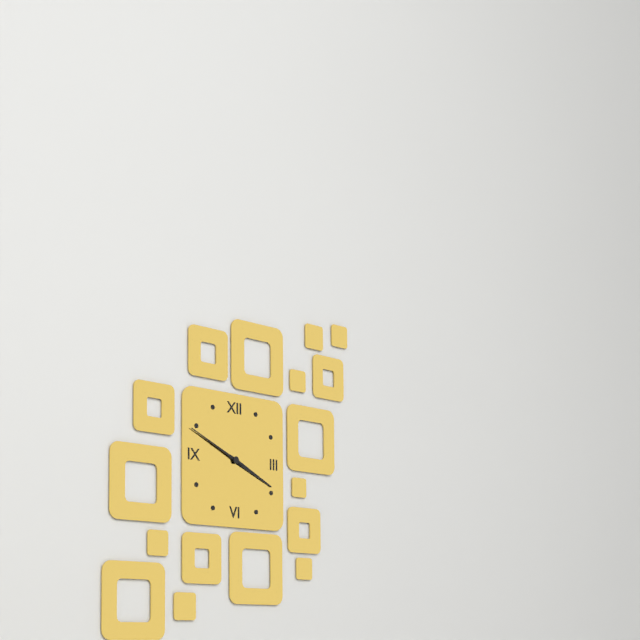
**3:49**
